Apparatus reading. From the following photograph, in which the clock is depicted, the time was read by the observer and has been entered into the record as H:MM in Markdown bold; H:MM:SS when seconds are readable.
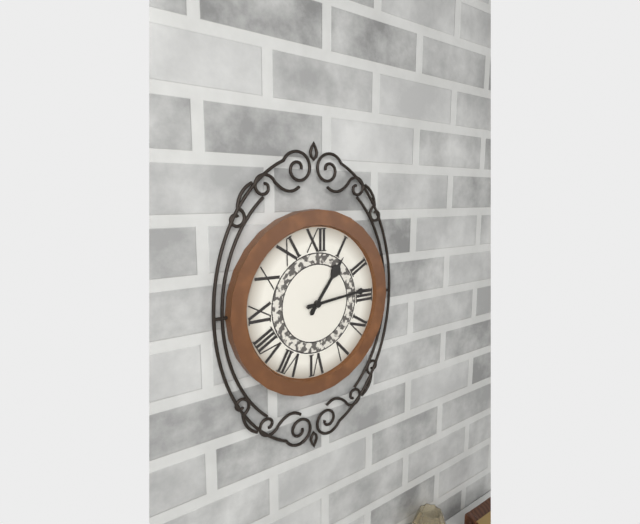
**1:14**
